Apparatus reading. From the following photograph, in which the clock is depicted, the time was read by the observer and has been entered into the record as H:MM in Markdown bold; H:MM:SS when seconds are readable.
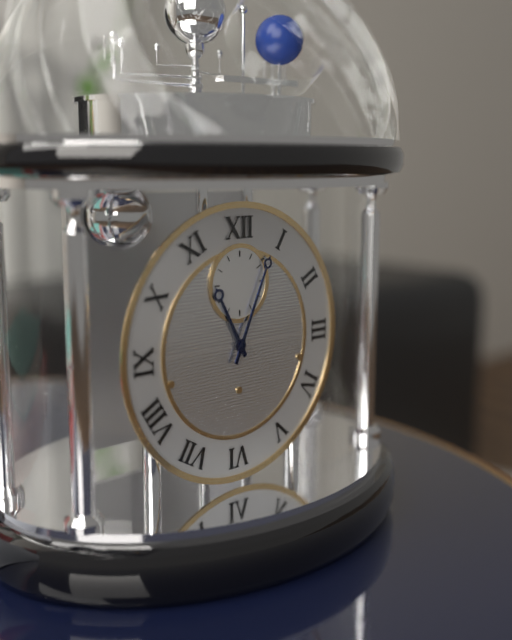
**11:04**
